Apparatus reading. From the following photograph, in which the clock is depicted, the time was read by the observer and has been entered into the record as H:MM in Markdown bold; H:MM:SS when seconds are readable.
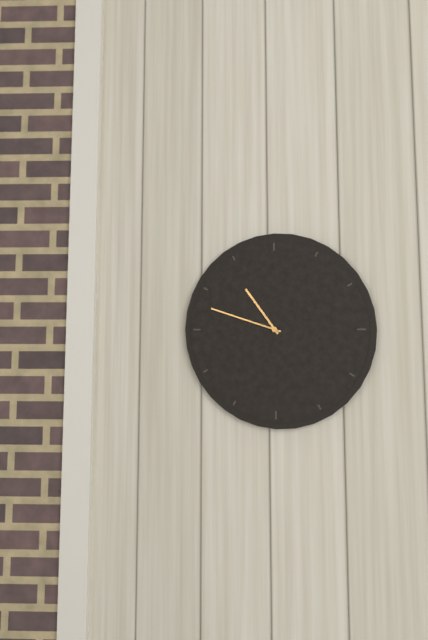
**10:48**
